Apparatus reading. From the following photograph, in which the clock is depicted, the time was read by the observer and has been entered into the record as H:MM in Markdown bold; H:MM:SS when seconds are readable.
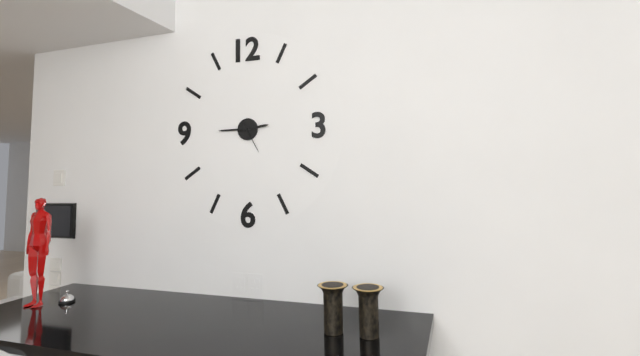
**2:45**
